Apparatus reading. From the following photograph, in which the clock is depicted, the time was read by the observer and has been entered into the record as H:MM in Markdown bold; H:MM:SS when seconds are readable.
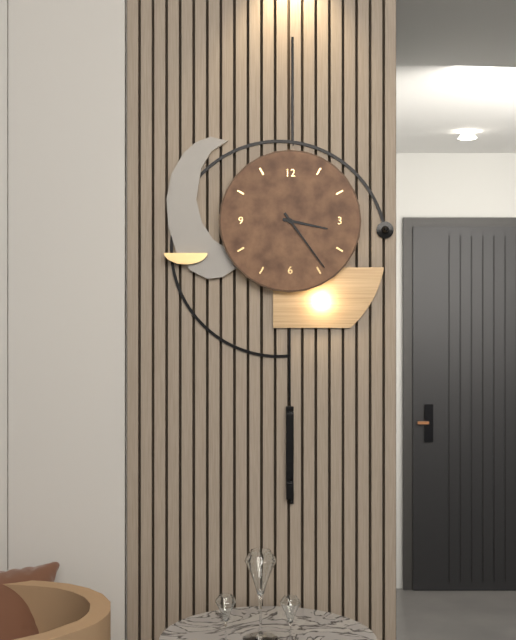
**3:24**
